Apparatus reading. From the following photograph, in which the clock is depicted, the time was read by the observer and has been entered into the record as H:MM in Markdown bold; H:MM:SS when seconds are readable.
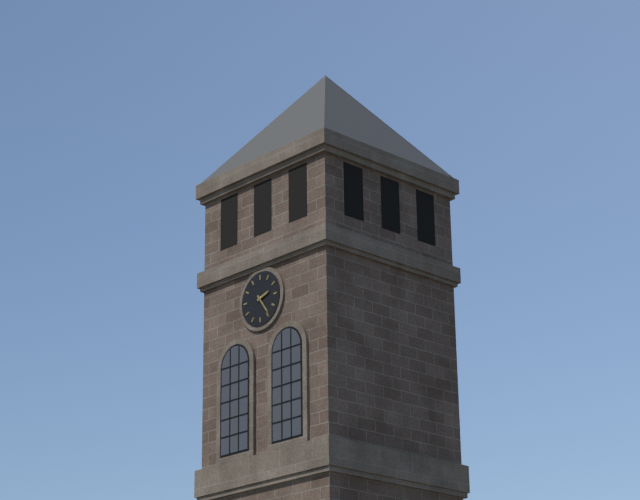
**2:24**
